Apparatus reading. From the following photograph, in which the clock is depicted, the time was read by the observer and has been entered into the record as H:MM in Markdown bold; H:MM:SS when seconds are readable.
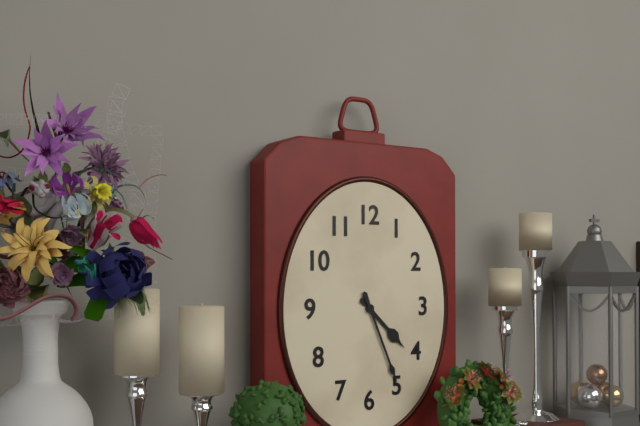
**4:26**
